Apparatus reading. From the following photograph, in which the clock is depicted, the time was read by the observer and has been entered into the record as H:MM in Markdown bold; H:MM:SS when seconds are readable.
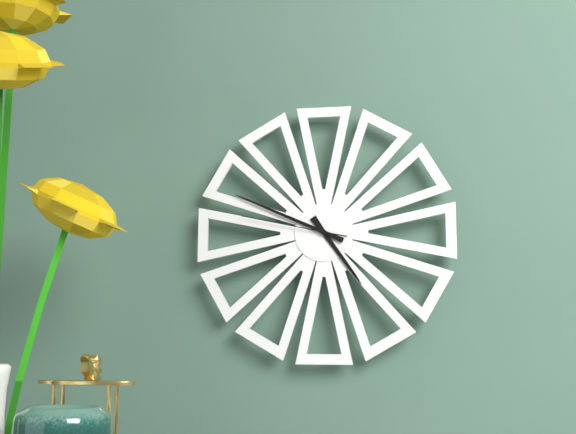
**4:49:47**
